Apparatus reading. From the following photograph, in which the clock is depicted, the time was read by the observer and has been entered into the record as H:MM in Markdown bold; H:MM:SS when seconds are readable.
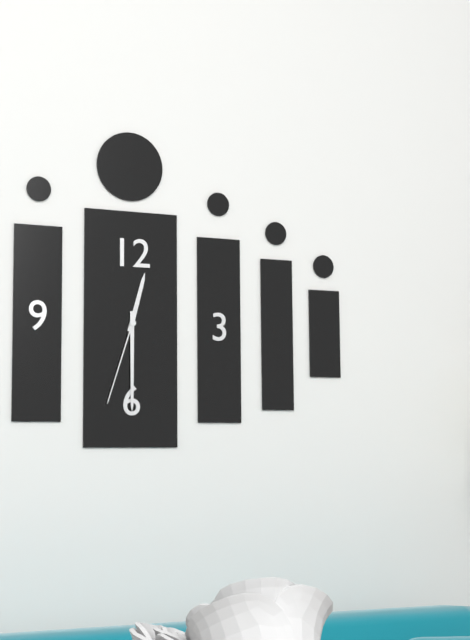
**12:30:33**
